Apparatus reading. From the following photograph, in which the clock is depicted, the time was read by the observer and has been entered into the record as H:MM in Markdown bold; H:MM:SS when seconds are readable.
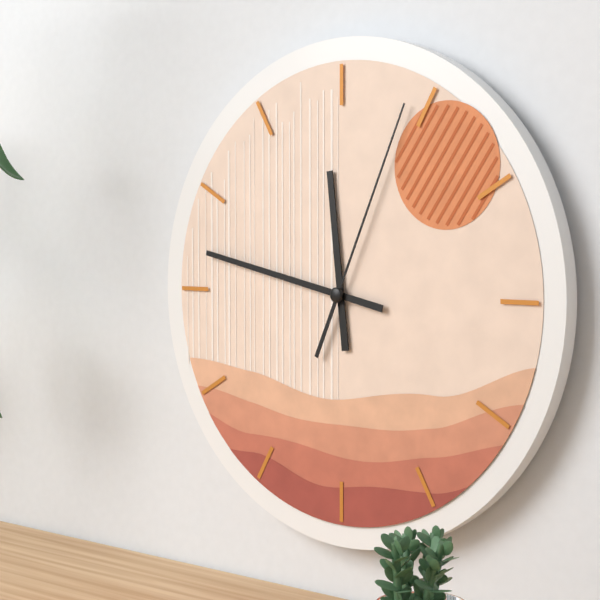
**11:47:04**
